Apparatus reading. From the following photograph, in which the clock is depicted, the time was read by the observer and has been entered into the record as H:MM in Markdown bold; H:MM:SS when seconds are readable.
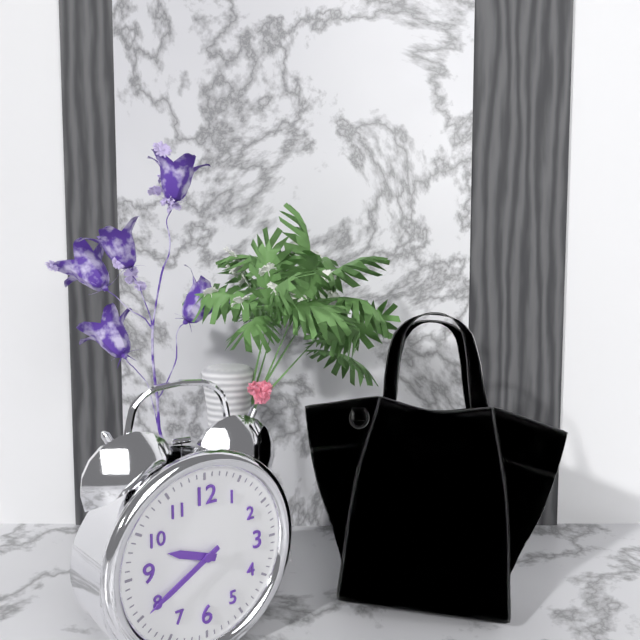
**9:40**
